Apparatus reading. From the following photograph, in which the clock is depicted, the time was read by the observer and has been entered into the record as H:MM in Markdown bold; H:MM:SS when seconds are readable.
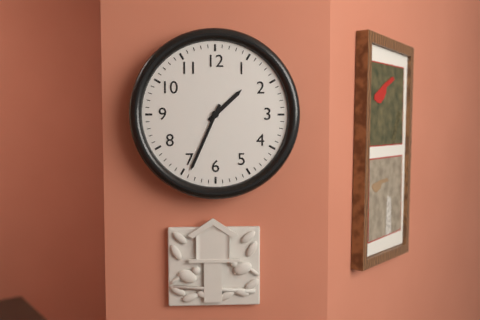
**1:34**
